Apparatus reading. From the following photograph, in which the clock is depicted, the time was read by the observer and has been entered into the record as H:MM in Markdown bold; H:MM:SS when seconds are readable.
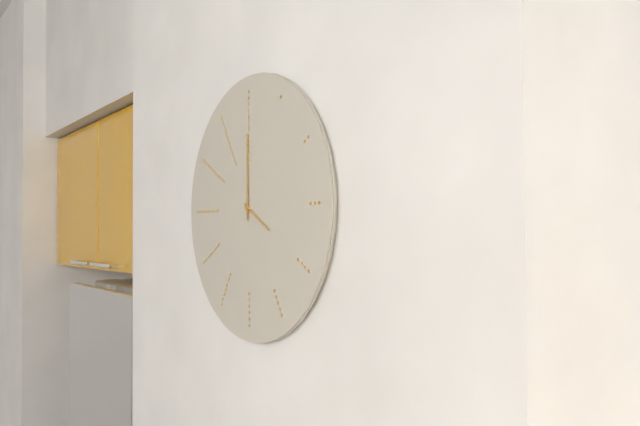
**4:00**
